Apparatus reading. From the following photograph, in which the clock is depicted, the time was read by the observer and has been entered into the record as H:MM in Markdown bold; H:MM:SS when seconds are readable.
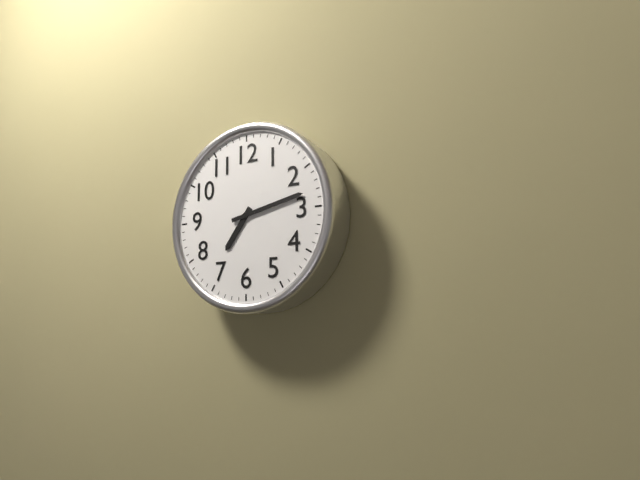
**7:13**
